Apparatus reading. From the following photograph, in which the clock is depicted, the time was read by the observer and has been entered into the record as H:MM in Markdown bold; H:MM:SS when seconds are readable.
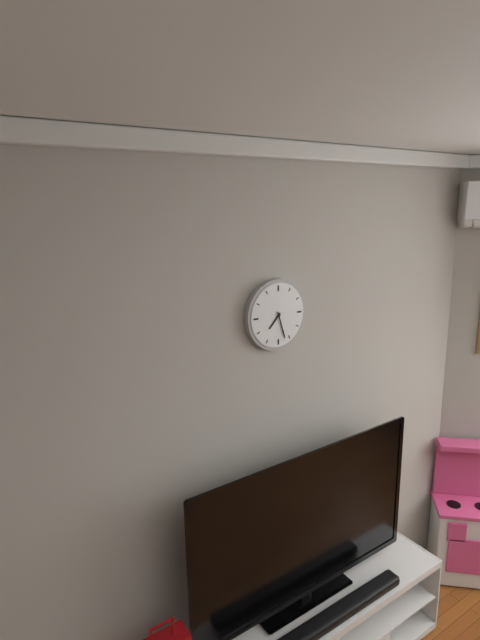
**7:27**
